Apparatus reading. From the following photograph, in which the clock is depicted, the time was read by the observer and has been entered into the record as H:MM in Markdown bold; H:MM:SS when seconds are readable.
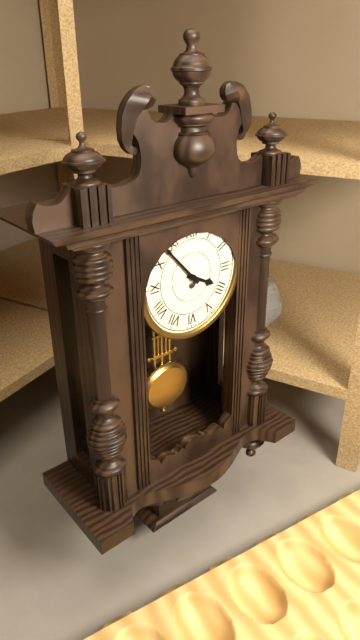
**3:53**
